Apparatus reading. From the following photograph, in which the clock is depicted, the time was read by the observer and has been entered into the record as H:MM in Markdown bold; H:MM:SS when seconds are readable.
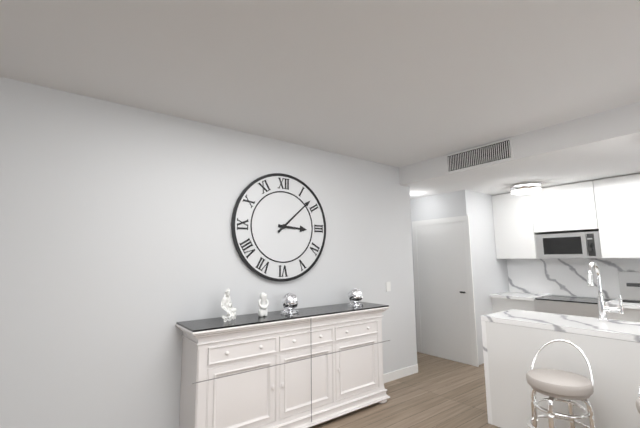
**3:08**
